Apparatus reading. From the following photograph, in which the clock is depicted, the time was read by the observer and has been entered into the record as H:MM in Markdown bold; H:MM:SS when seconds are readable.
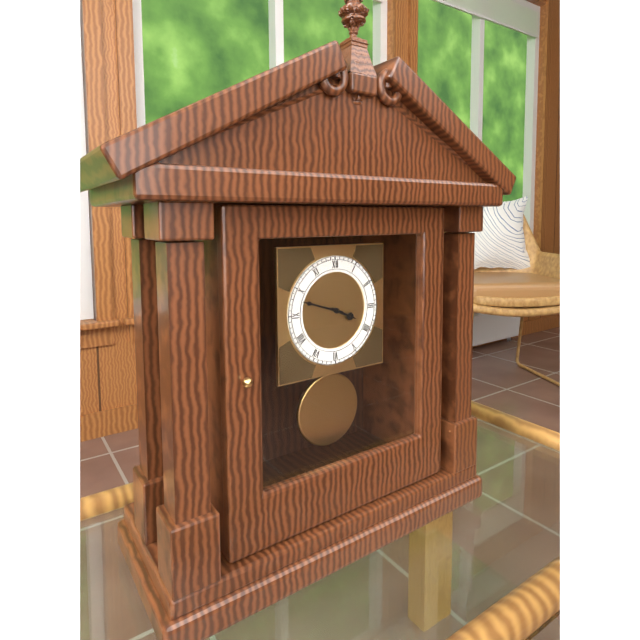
**3:48**
